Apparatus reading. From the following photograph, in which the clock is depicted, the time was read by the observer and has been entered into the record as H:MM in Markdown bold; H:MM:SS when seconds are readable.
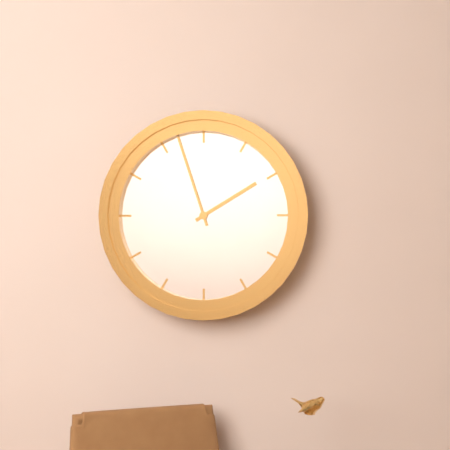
**1:57**
